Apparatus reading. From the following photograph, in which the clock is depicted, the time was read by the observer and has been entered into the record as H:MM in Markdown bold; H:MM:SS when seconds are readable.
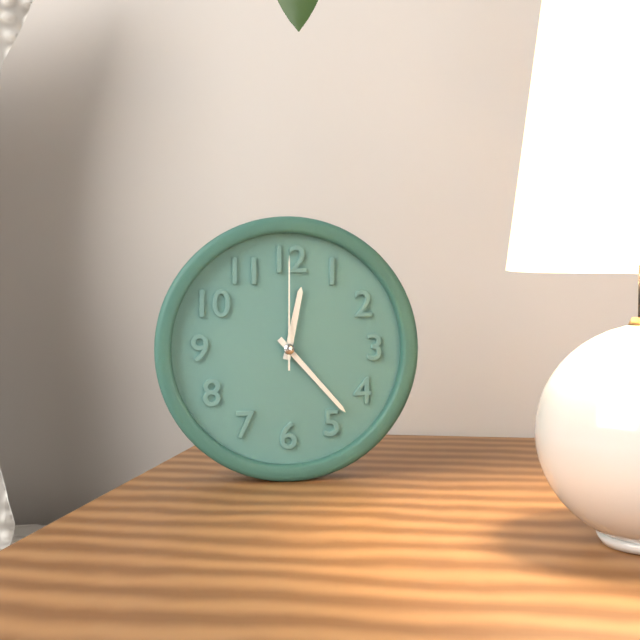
**12:23:00**
